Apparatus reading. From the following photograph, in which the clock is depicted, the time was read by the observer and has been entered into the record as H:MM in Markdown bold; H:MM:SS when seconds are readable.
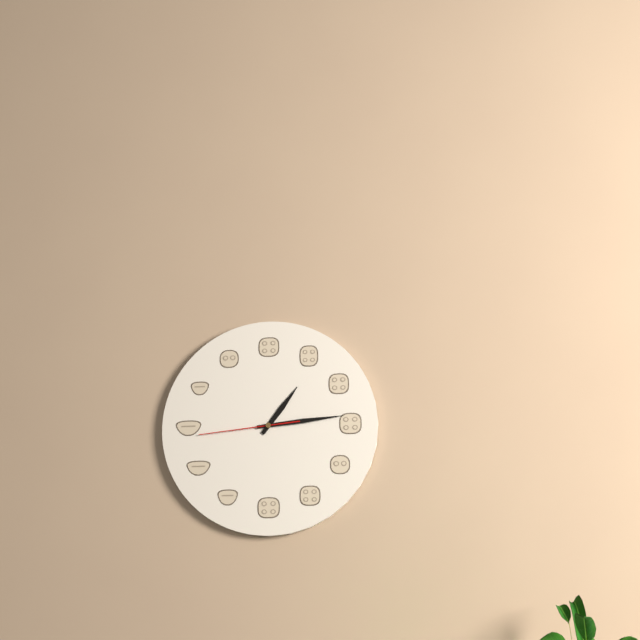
**1:14:44**
